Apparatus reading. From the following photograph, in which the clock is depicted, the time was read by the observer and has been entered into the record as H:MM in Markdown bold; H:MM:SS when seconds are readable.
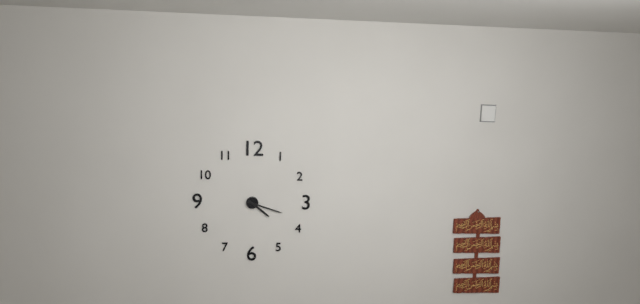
**4:18**
